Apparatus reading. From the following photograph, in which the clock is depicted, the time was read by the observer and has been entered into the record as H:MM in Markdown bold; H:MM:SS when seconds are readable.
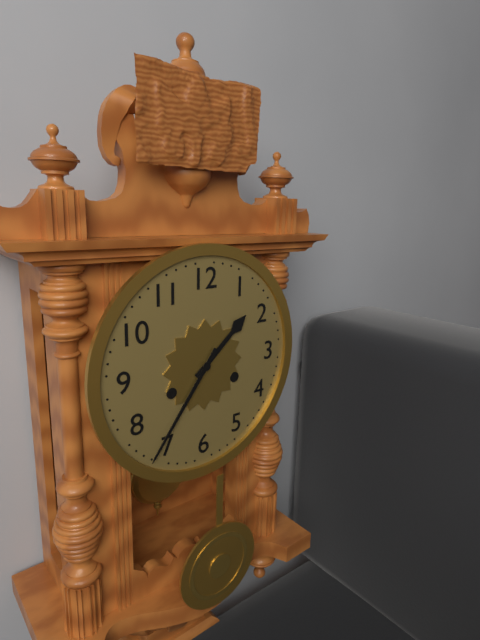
**1:36**
